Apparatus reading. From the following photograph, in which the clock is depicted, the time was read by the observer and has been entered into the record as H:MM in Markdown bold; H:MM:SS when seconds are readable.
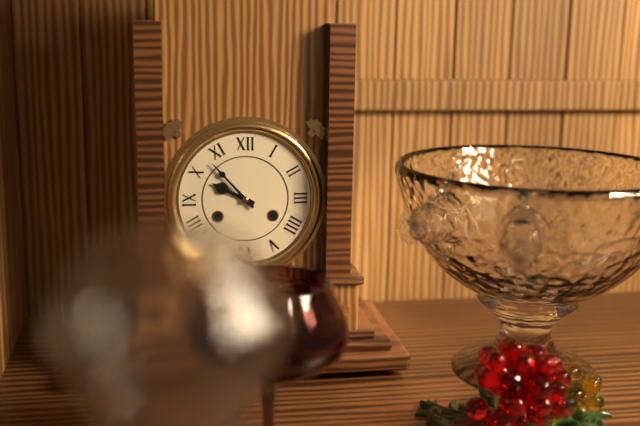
**9:53**
